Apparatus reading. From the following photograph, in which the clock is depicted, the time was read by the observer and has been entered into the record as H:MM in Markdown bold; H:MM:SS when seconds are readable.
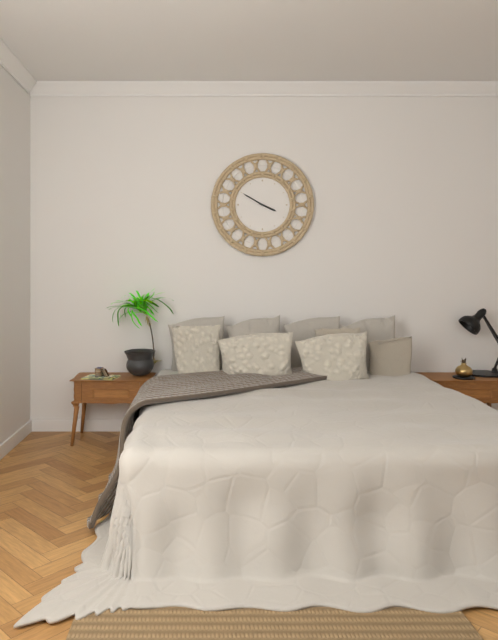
**3:50**
